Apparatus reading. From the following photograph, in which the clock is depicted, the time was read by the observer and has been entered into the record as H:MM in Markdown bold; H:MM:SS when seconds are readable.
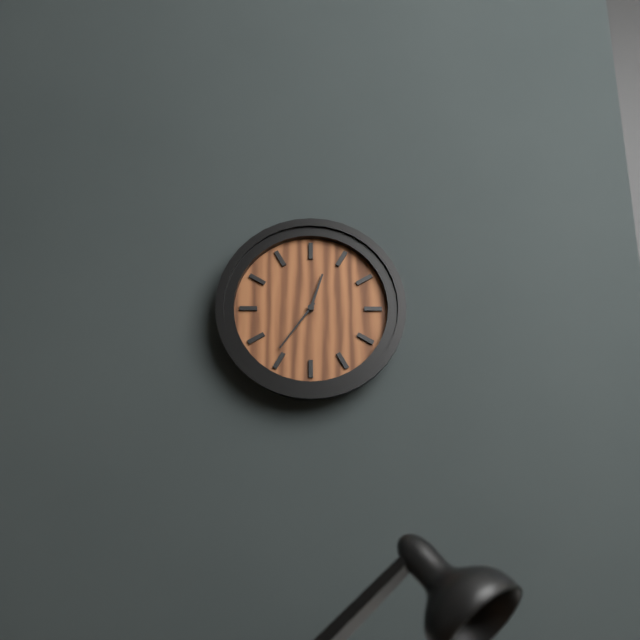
**12:36**
